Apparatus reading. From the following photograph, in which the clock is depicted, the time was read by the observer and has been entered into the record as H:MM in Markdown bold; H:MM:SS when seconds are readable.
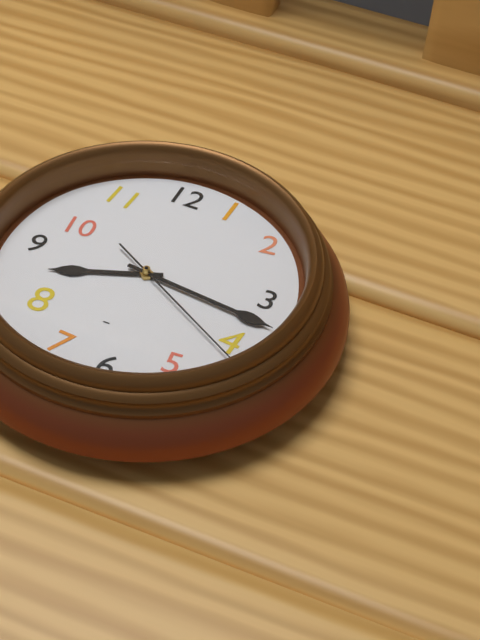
**8:16:20**
